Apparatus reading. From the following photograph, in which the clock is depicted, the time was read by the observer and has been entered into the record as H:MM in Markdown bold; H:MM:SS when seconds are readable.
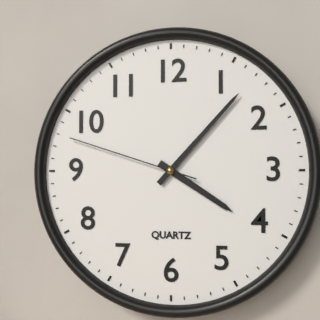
**4:07:48**
